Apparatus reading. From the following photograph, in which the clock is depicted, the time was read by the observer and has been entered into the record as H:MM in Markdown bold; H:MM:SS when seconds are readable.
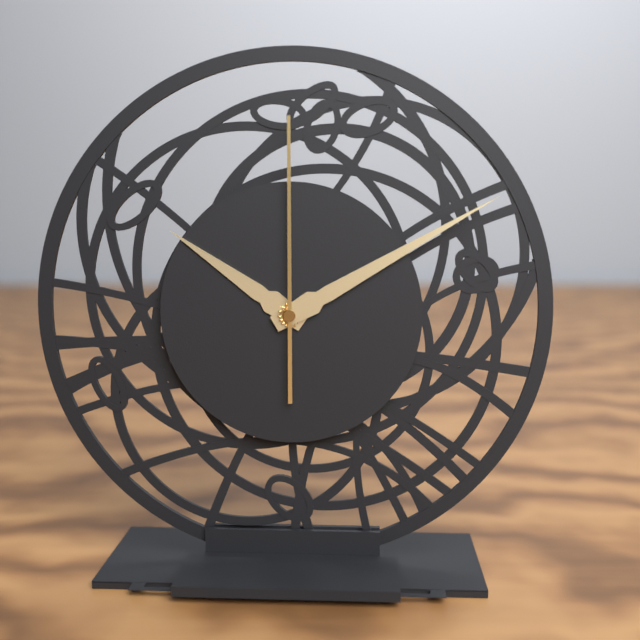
**10:10:00**
